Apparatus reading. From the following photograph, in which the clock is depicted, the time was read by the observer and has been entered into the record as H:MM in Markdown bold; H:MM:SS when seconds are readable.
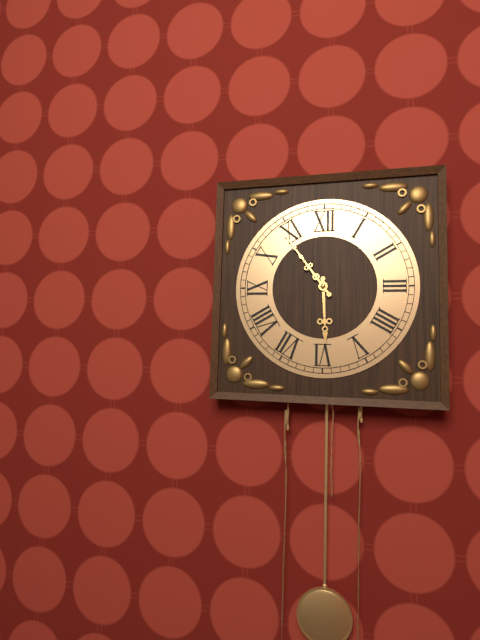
**5:54**
